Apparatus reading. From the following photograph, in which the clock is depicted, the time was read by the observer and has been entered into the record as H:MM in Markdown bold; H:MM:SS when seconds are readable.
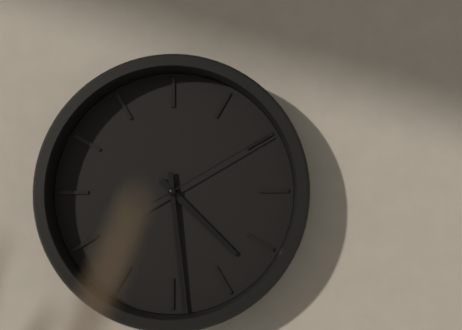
**4:29:10**
